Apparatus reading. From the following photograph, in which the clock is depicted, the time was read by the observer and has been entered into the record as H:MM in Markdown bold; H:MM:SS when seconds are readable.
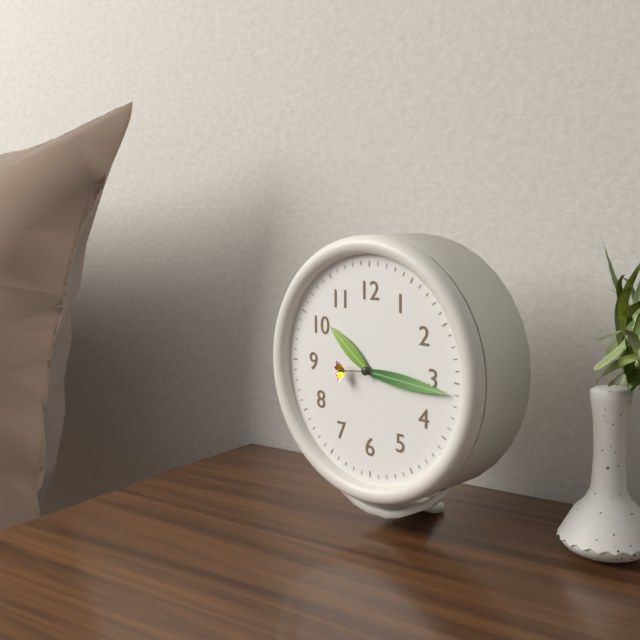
**10:16:44**
